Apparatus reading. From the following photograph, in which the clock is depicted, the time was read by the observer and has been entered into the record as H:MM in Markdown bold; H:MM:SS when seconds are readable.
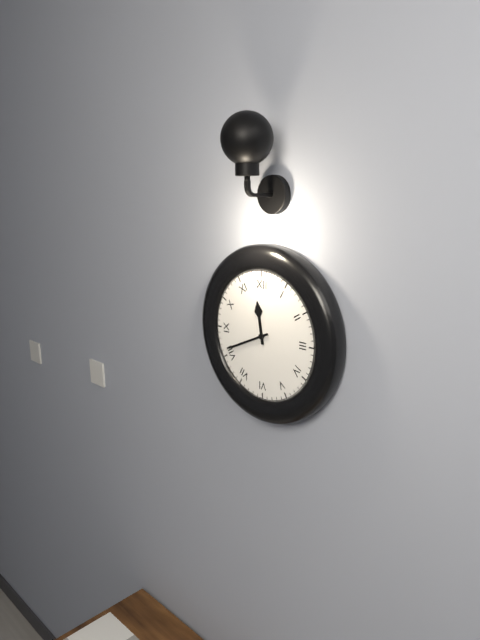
**11:41**
